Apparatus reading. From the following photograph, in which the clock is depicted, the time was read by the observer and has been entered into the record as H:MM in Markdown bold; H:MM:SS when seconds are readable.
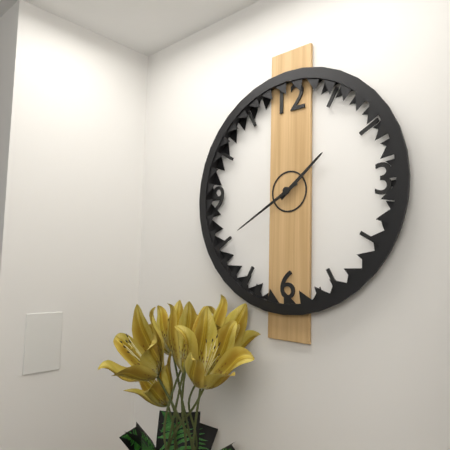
**1:40**
